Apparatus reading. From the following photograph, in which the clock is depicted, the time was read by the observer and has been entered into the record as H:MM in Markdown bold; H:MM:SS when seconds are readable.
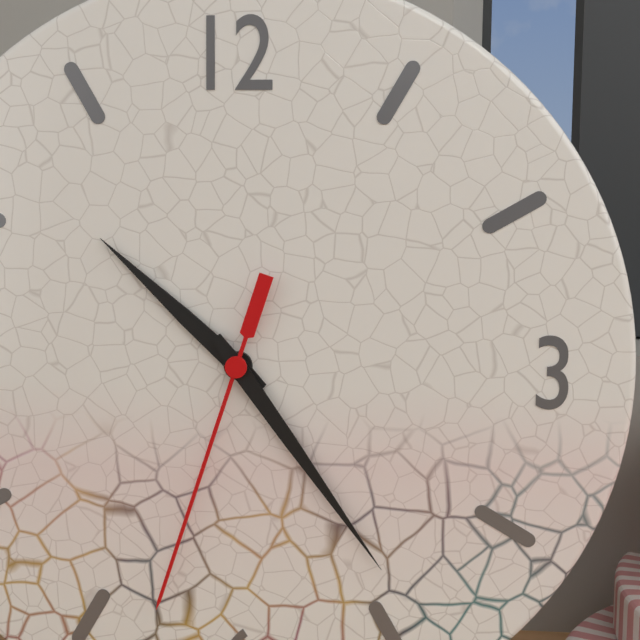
**10:24:33**
